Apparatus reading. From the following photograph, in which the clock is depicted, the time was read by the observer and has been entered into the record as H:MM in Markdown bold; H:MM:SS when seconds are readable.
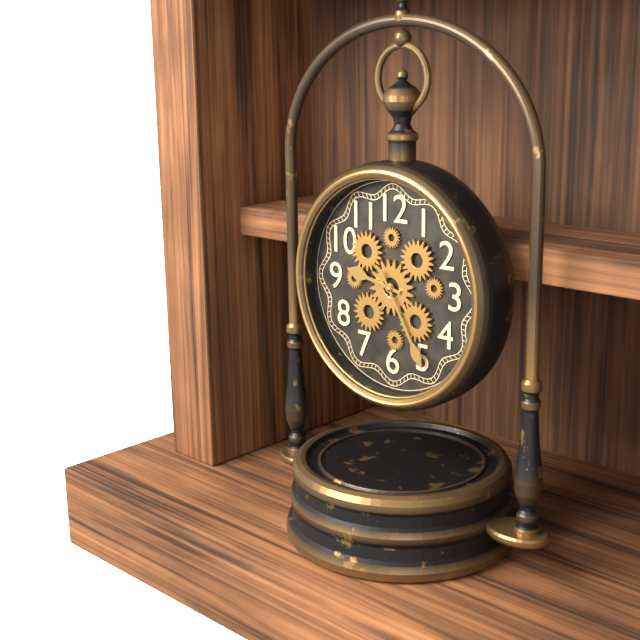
**9:25**
